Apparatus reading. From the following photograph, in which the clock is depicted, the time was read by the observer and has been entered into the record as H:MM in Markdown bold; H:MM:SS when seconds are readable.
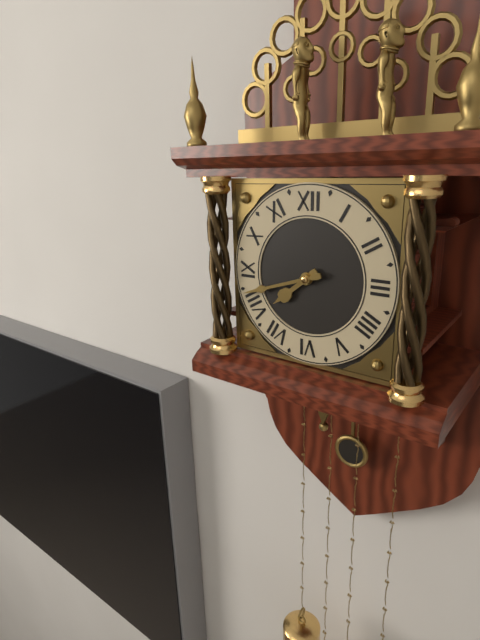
**7:42**
